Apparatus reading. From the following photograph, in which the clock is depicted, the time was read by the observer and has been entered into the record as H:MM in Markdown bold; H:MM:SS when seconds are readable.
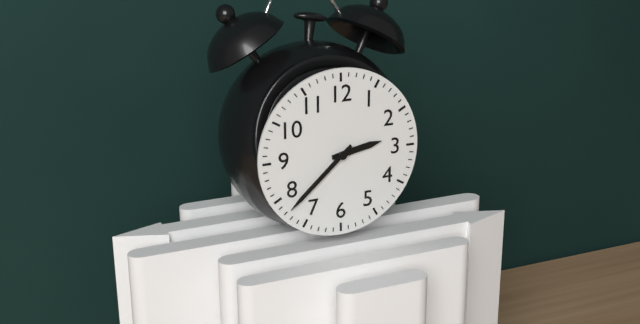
**2:38**
